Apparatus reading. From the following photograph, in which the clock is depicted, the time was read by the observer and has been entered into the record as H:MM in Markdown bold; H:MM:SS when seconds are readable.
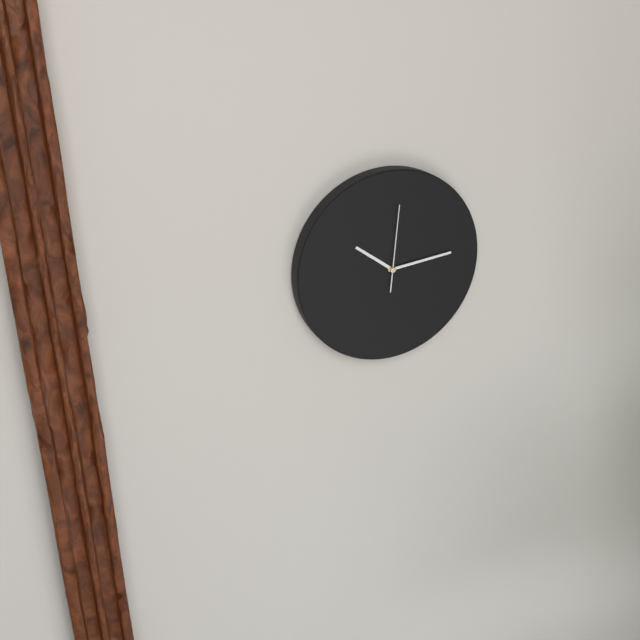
**10:14:01**
